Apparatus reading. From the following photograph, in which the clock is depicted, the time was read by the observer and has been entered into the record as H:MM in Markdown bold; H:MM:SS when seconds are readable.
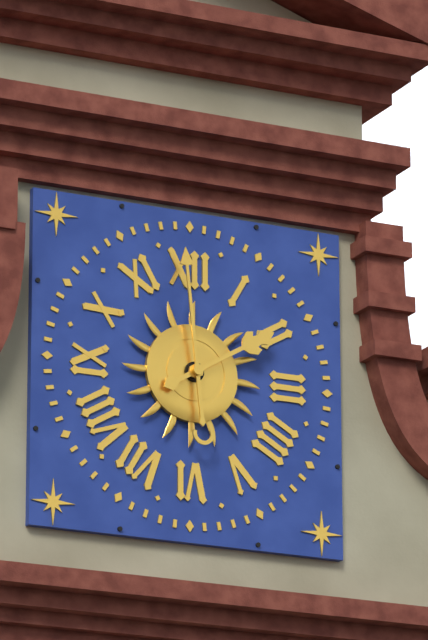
**1:59**
